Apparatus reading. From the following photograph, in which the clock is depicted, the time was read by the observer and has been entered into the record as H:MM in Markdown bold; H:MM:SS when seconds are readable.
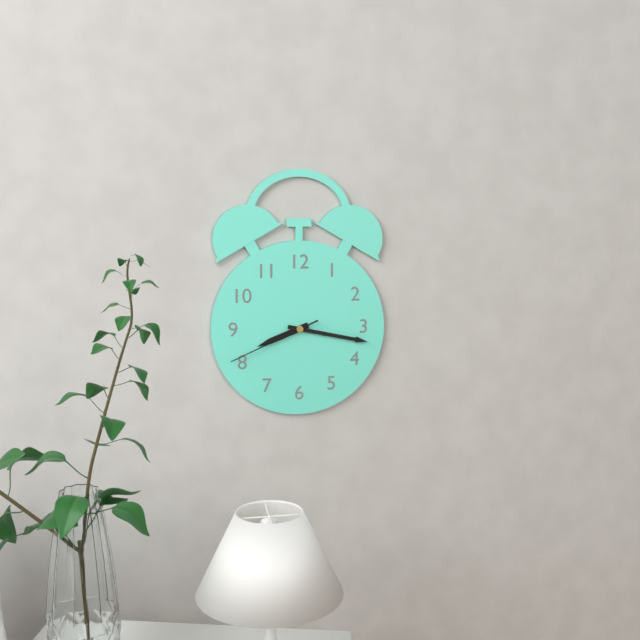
**8:17:41**
